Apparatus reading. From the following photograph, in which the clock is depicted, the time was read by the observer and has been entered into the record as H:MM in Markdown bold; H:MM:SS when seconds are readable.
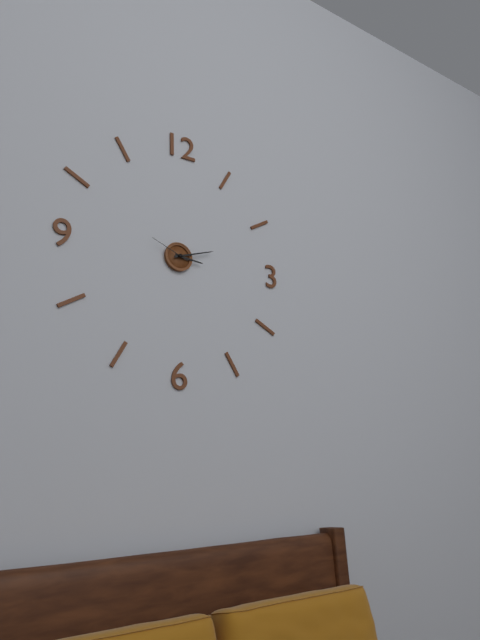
**3:12**
